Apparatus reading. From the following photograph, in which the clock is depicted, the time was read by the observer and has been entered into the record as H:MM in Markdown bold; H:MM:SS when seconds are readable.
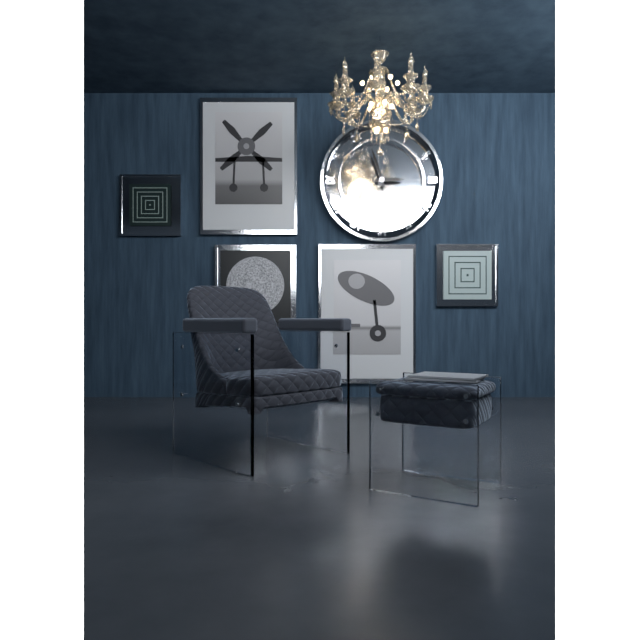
**2:57**
